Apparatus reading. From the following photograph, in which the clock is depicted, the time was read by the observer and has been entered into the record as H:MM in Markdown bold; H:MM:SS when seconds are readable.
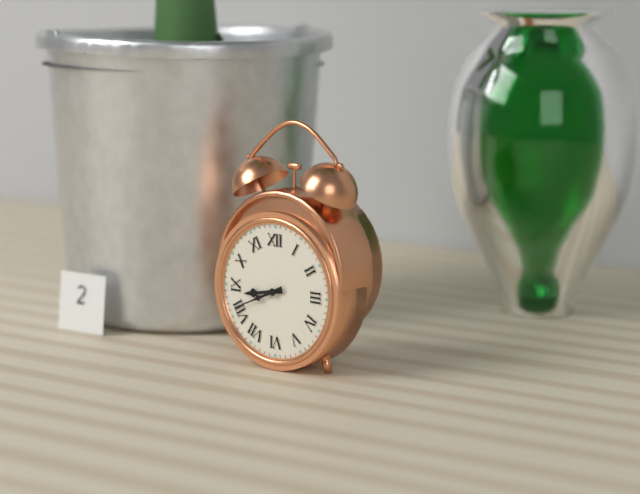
**8:41**
